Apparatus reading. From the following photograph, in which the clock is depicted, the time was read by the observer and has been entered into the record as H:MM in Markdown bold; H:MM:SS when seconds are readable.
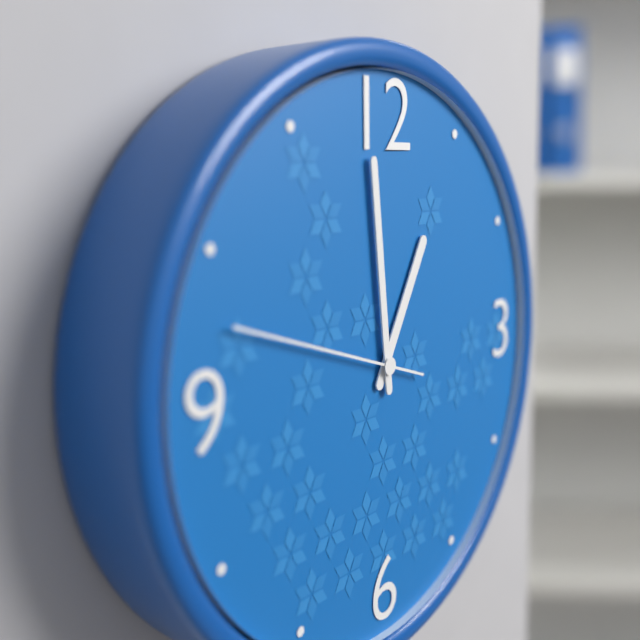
**12:59:48**
